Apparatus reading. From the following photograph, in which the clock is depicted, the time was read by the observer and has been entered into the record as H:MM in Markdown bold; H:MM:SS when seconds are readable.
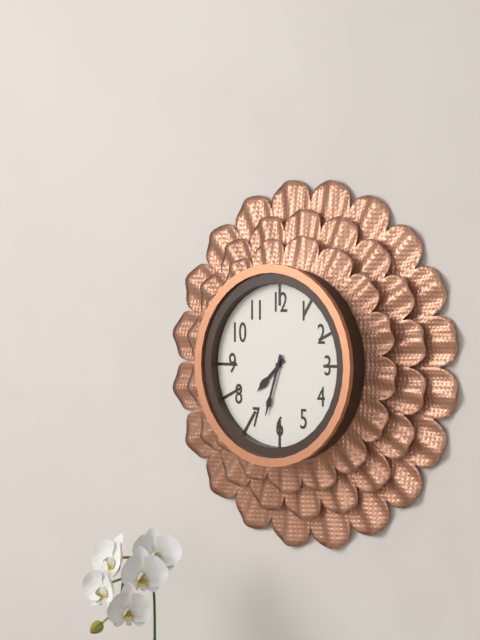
**7:33**
